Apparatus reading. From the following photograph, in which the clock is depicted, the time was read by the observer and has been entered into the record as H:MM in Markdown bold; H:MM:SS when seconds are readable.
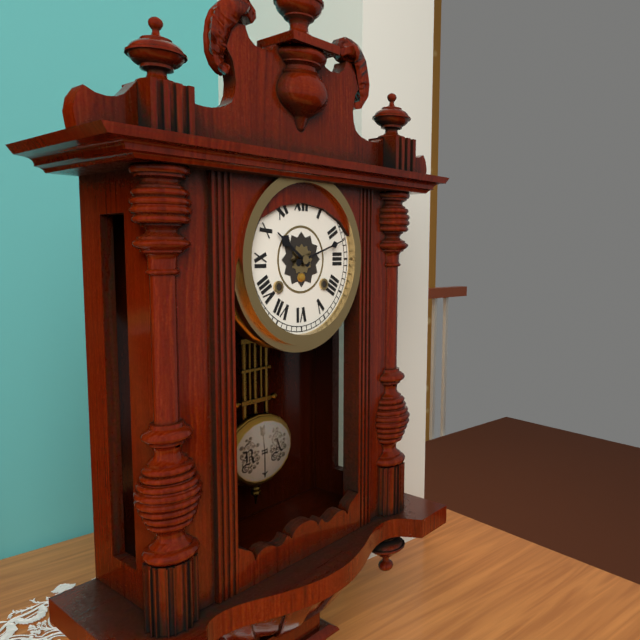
**10:12**
